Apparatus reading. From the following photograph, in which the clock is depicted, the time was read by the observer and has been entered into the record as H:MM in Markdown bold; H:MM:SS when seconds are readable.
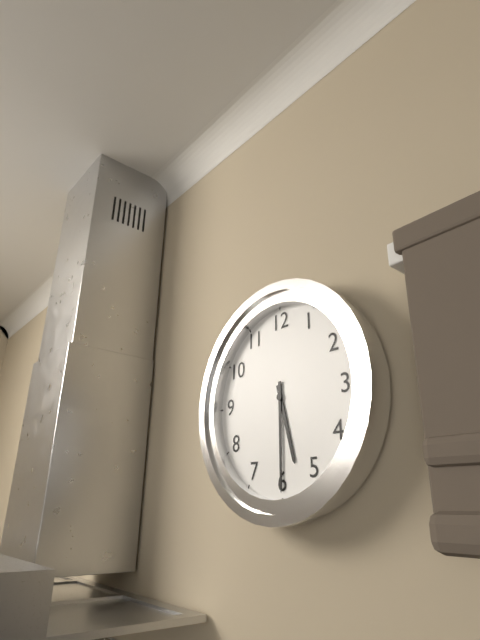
**5:30**
